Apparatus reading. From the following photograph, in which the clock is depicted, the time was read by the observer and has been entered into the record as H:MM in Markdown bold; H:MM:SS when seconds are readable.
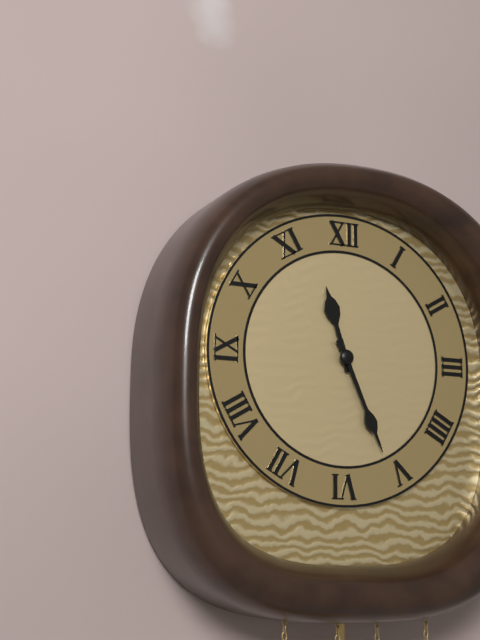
**11:26**
